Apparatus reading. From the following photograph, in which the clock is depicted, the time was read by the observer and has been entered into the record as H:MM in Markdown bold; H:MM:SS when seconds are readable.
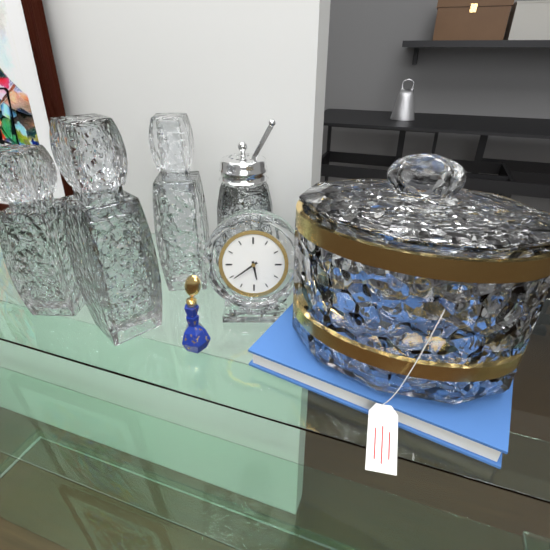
**5:39**
